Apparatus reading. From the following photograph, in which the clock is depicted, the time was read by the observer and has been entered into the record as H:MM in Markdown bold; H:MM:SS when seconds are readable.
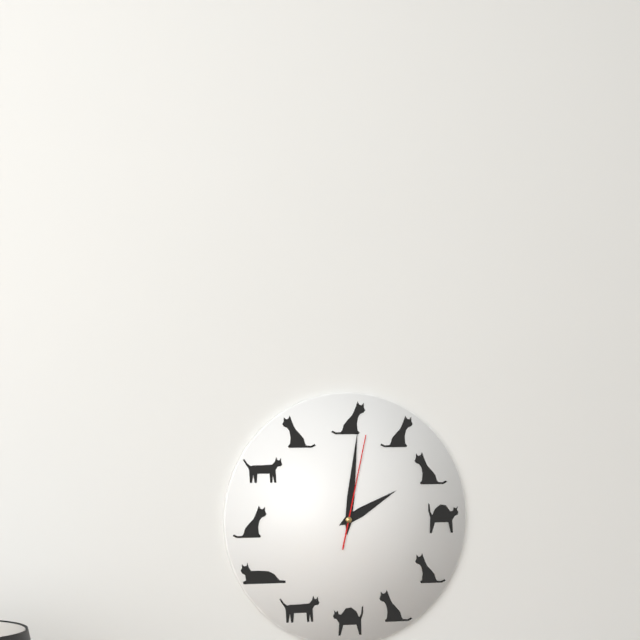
**2:01:02**
